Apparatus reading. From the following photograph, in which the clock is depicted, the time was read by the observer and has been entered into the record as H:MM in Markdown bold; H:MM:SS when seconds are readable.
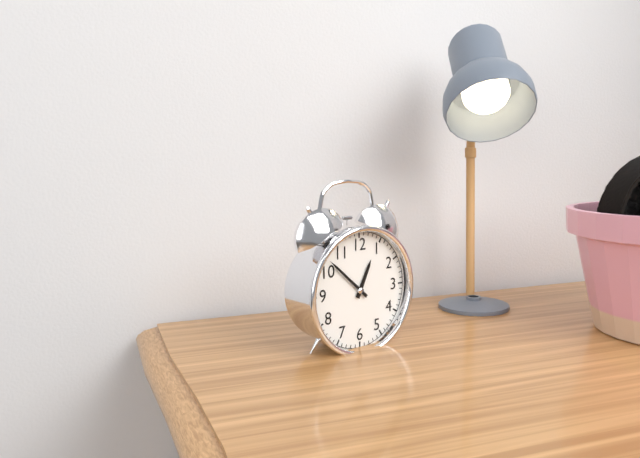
**12:52**
